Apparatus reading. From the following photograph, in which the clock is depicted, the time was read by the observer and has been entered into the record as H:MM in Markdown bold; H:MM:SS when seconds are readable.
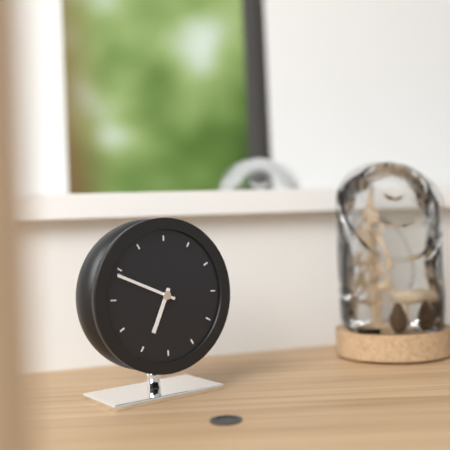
**6:49**
